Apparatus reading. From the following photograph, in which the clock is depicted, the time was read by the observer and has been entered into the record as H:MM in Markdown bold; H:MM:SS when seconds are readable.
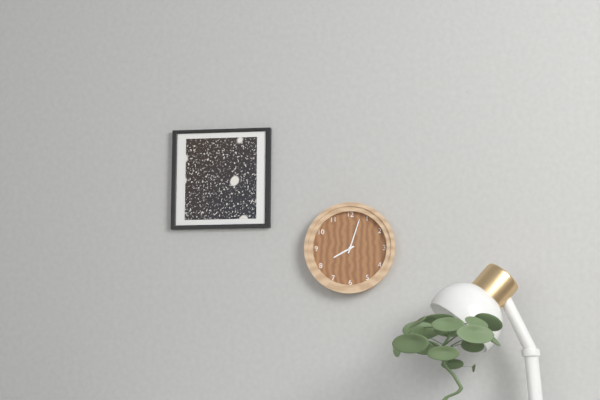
**8:03**
